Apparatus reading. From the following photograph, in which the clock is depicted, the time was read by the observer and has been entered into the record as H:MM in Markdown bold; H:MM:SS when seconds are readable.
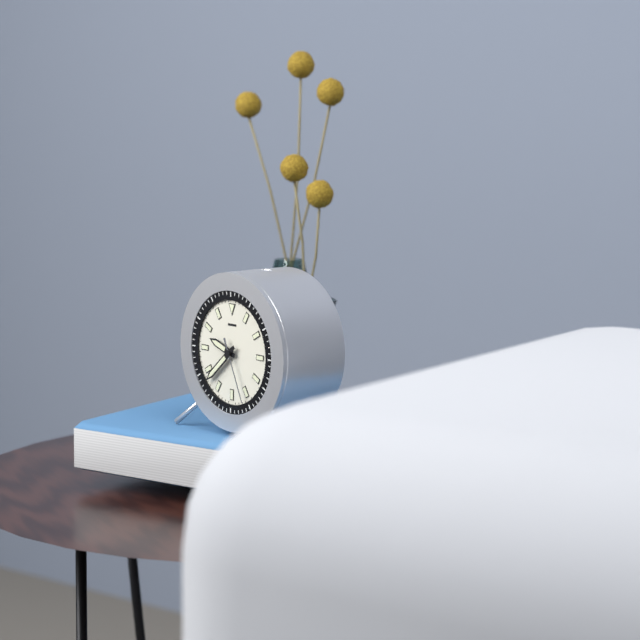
**9:38:26**
